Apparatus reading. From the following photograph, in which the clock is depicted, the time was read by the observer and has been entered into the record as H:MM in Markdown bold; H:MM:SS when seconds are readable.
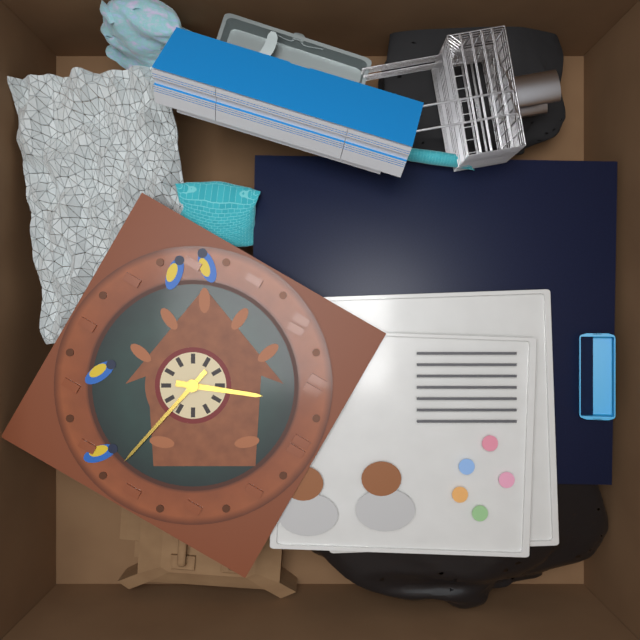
**11:17**
